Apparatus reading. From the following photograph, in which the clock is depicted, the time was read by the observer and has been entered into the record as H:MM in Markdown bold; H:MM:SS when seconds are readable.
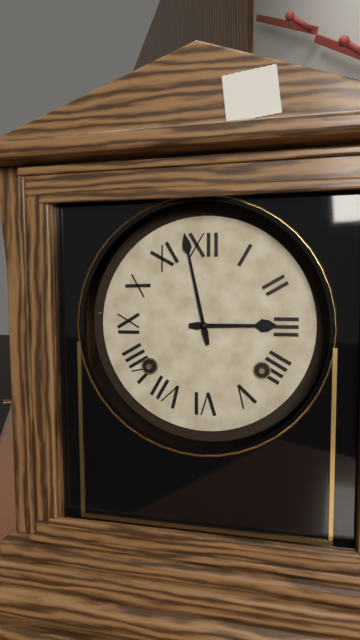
**2:58**
